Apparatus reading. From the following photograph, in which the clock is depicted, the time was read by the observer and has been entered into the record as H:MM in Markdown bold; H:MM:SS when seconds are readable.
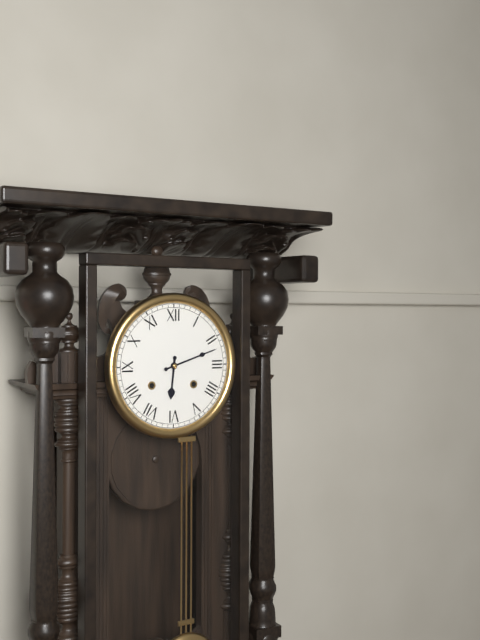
**6:12**
